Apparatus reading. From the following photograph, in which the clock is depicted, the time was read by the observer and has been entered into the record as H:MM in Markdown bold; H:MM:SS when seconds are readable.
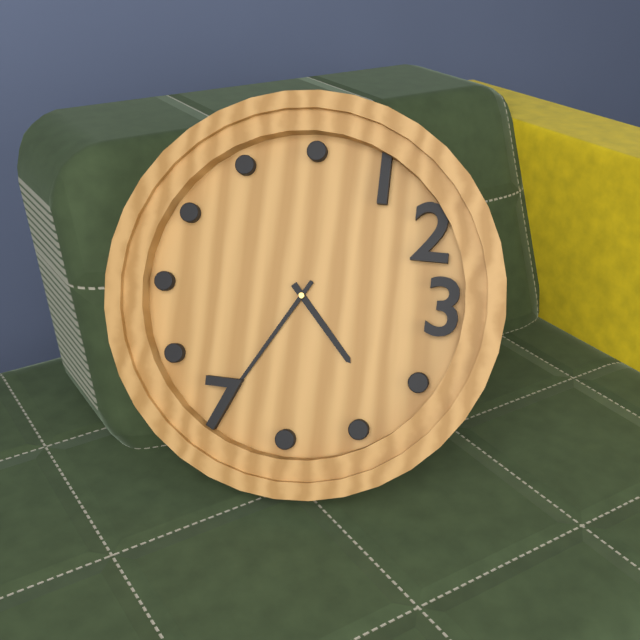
**4:35**
